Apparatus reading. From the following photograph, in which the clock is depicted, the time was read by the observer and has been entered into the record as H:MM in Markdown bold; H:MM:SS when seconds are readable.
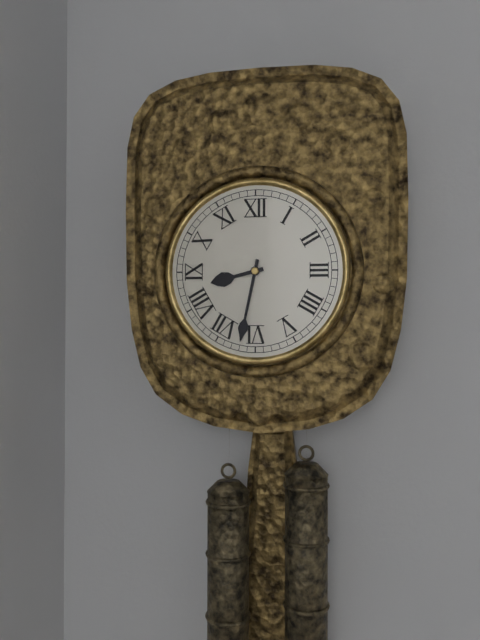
**8:32**
